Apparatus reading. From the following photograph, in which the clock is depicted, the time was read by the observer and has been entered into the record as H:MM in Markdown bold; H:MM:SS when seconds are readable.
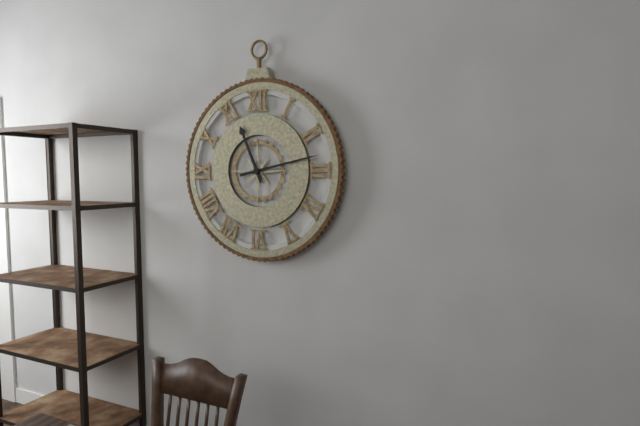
**11:13**
